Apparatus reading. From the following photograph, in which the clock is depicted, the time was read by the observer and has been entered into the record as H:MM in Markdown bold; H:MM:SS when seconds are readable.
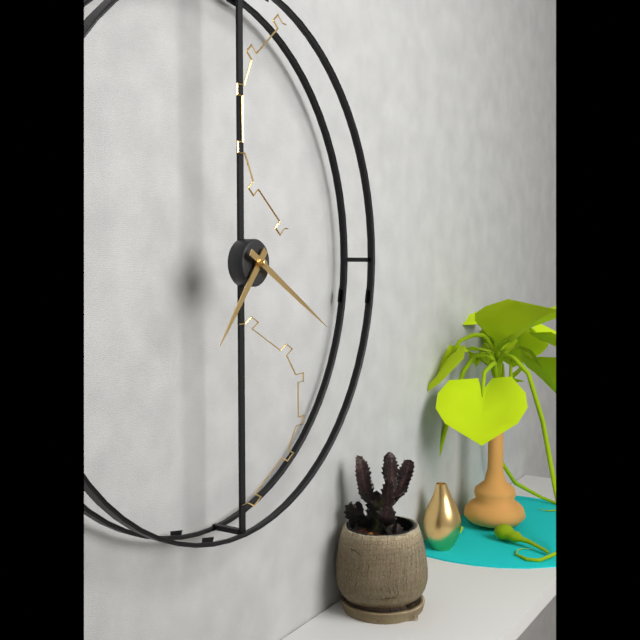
**7:20**
